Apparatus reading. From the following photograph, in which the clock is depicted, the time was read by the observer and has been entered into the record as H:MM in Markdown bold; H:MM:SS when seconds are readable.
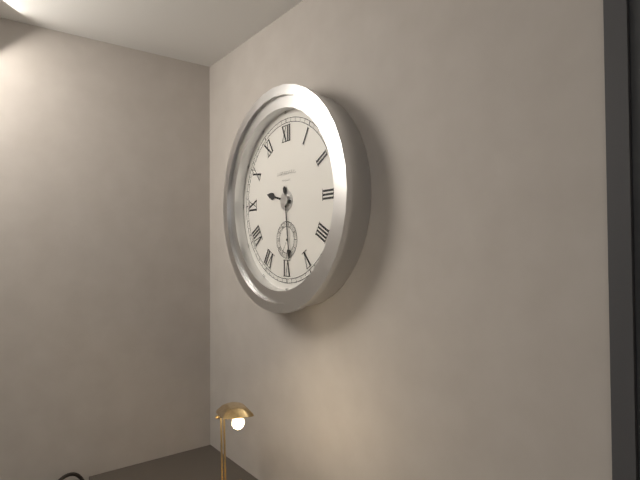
**9:29**
